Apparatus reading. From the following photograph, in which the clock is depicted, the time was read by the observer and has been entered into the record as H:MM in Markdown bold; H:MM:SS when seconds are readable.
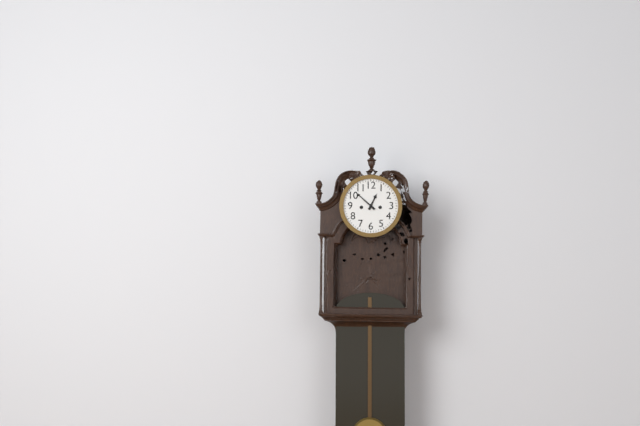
**12:52**
